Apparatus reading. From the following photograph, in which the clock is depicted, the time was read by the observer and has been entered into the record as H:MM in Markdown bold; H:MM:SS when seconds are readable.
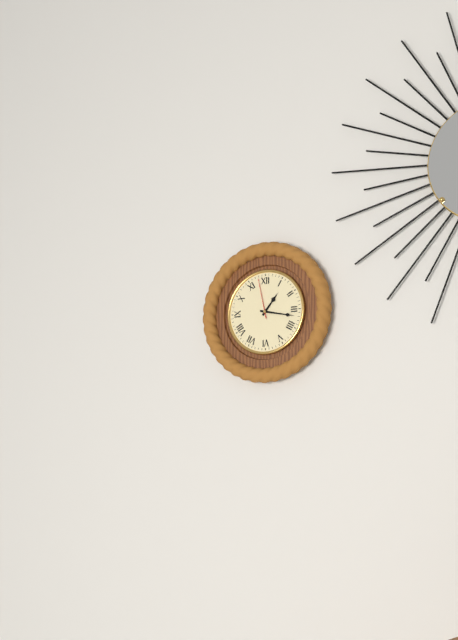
**1:17**
